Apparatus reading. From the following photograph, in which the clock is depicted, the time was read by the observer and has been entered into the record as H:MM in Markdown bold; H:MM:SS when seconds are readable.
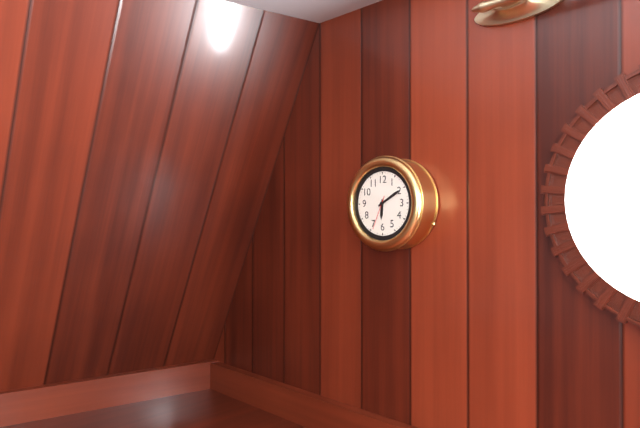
**6:10**
